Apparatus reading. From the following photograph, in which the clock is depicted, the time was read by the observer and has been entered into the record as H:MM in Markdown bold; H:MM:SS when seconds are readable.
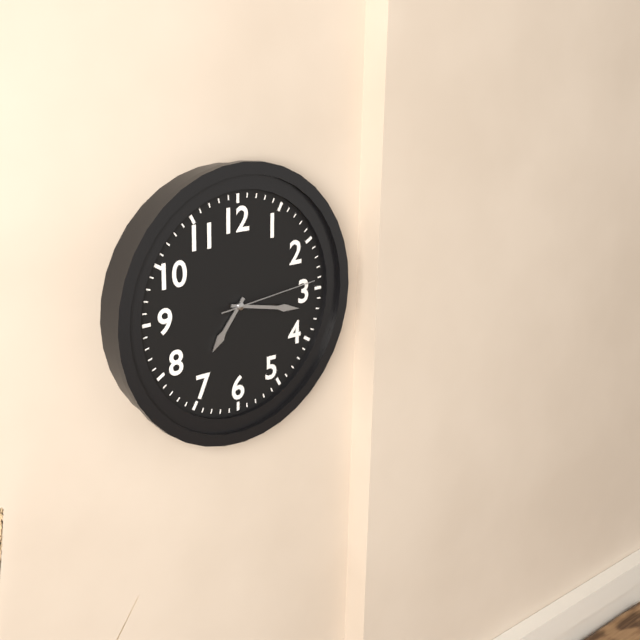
**7:17:14**
